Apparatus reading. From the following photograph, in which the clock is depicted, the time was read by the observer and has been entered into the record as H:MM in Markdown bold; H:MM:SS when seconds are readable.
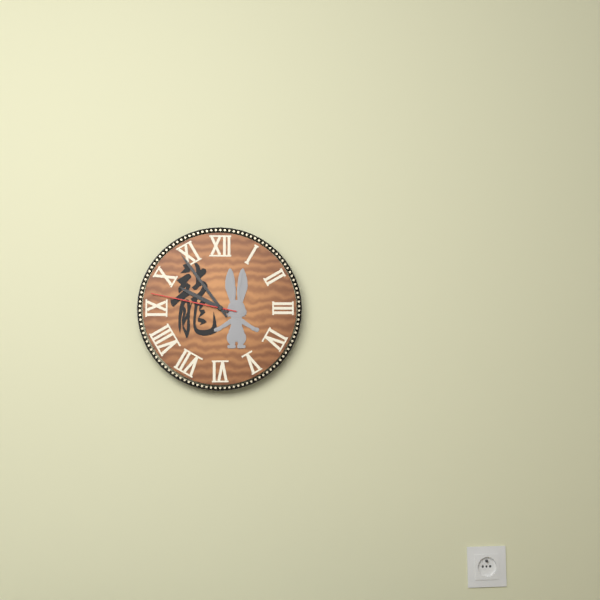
**9:54:47**
